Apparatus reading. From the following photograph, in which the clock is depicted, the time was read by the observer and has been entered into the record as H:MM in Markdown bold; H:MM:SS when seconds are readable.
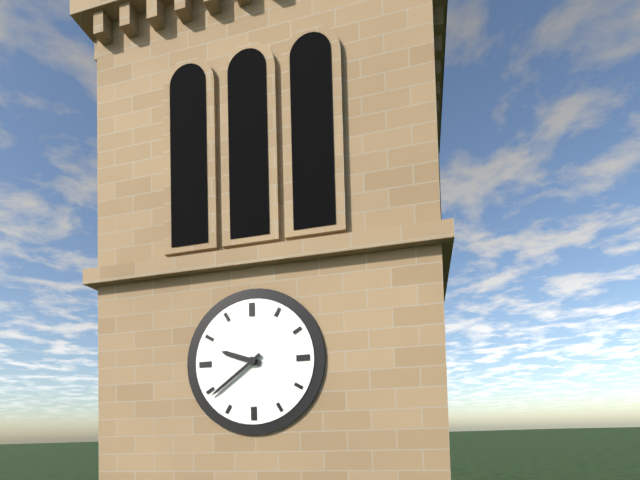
**9:39**
